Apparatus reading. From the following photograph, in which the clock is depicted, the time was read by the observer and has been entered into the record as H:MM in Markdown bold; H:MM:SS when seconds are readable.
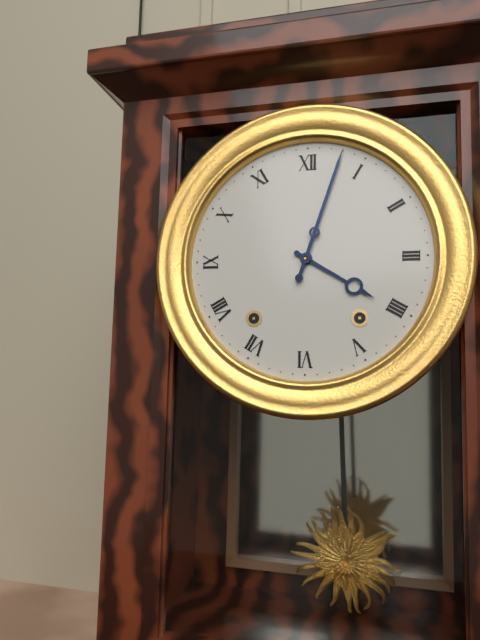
**4:03**
